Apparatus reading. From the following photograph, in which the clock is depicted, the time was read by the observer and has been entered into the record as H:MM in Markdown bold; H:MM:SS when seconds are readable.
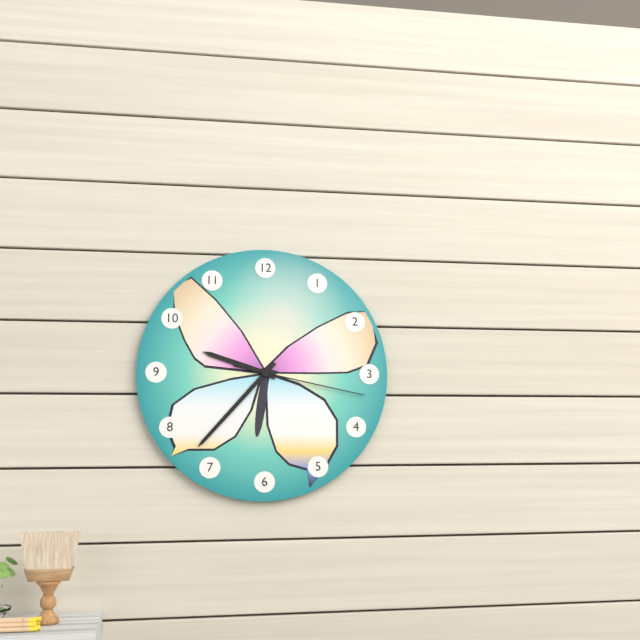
**9:37:17**
